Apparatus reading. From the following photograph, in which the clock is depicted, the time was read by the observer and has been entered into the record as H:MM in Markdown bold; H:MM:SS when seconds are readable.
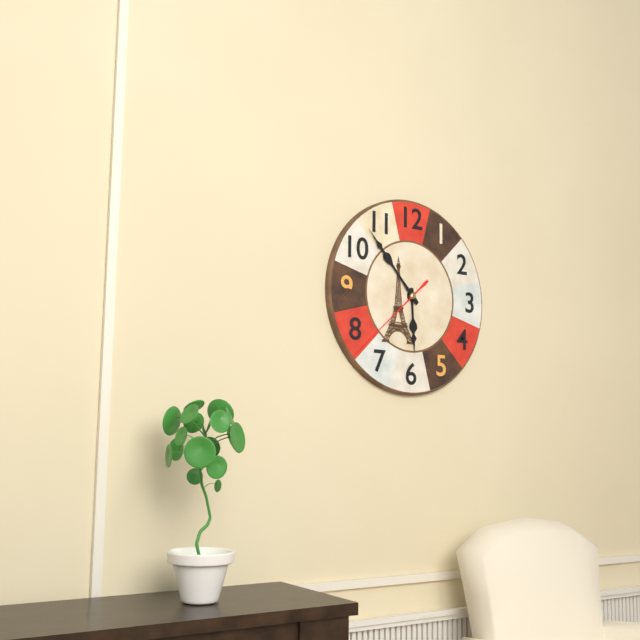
**5:53:38**
